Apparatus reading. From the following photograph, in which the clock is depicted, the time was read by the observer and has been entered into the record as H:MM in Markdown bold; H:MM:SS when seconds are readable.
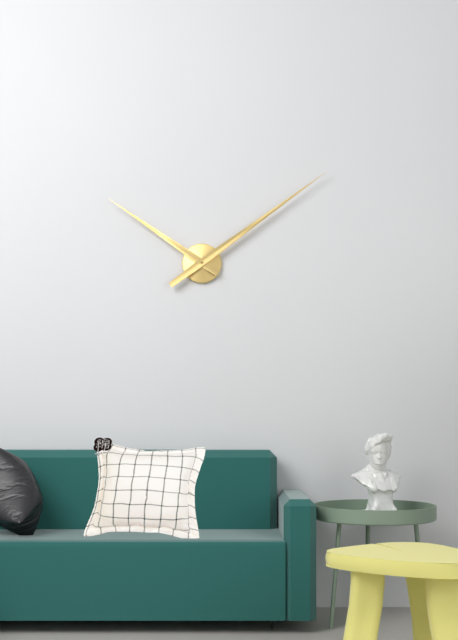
**10:09**
